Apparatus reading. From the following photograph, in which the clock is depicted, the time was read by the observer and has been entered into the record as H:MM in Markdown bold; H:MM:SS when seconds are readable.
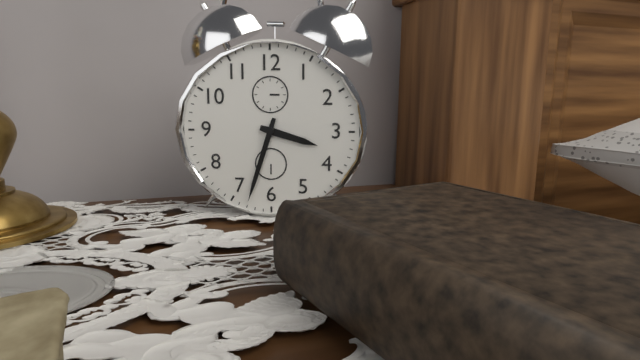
**3:33**
